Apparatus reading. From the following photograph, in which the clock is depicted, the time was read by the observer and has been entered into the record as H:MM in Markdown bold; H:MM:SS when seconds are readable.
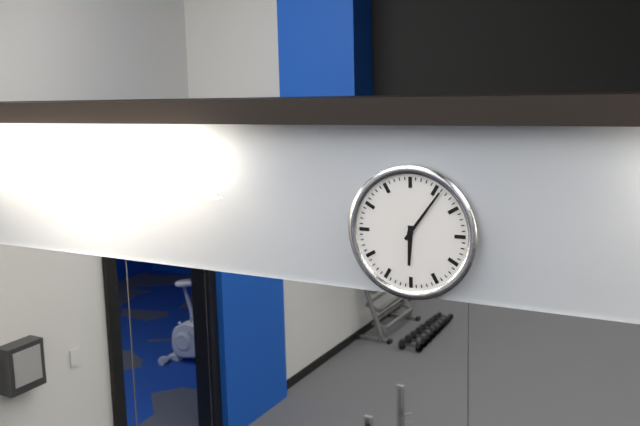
**6:06**
